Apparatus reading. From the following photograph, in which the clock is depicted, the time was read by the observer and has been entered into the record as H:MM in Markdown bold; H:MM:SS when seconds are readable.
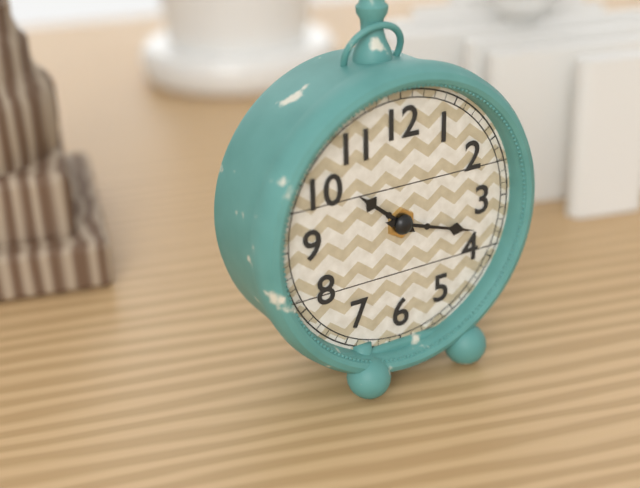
**10:18**
